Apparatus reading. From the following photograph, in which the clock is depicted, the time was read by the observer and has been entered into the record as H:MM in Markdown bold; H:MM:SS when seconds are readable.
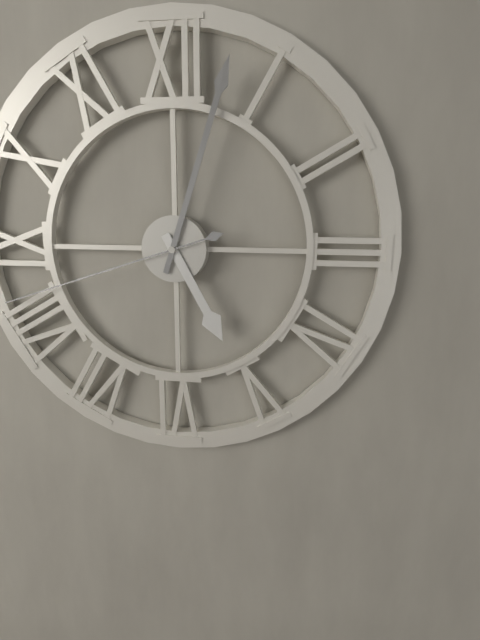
**5:03:42**
